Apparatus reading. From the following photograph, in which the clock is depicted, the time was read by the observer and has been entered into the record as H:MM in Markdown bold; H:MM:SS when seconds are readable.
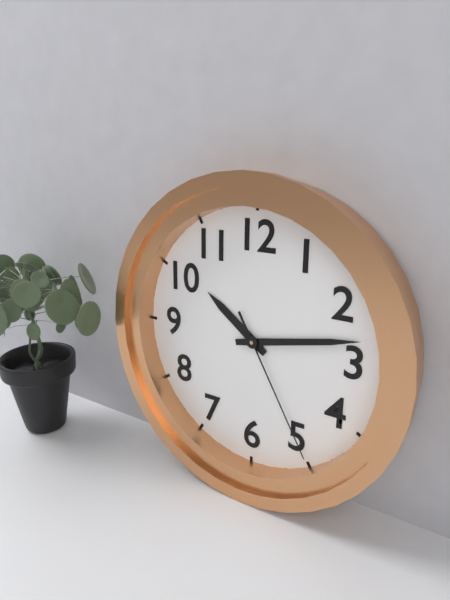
**10:13:25**
